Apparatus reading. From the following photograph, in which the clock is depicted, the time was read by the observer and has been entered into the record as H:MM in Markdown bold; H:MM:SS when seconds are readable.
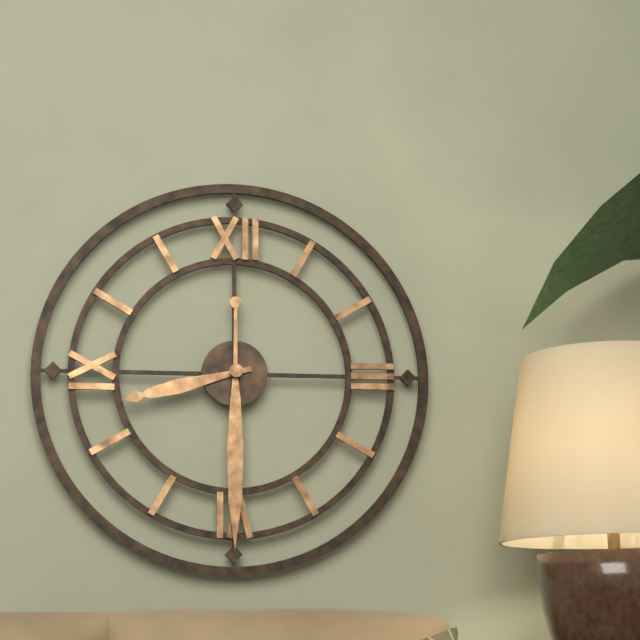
**8:30**
